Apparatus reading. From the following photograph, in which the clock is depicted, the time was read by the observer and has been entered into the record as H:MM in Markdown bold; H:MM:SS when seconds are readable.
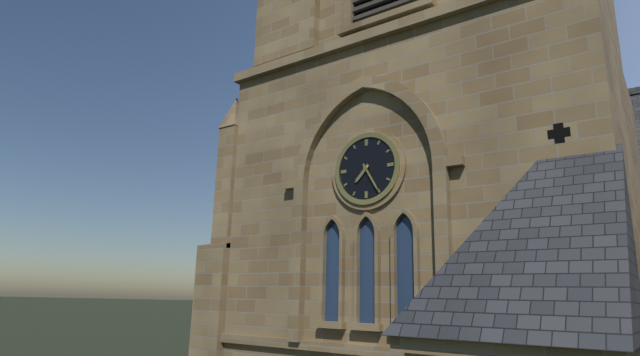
**7:25**
